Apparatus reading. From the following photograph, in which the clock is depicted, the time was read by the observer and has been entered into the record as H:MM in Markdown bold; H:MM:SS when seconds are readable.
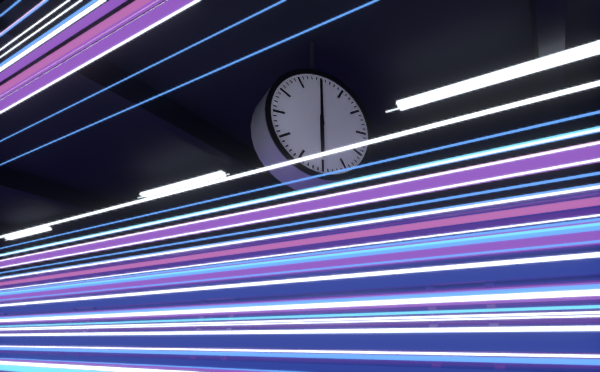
**6:00**
